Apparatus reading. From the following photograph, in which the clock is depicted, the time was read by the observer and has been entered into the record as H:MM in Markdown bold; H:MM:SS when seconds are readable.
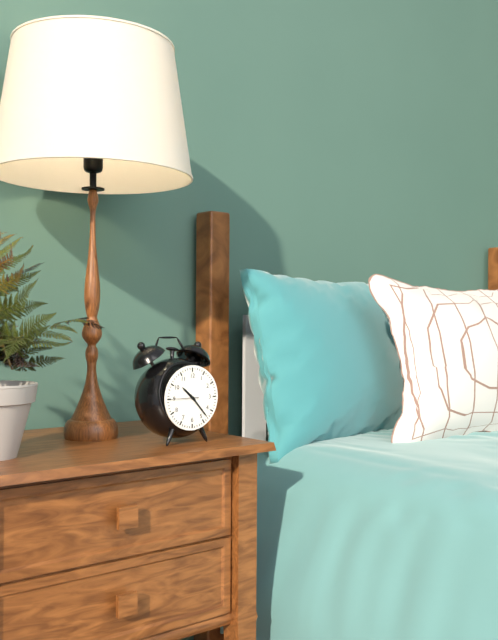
**10:23**
